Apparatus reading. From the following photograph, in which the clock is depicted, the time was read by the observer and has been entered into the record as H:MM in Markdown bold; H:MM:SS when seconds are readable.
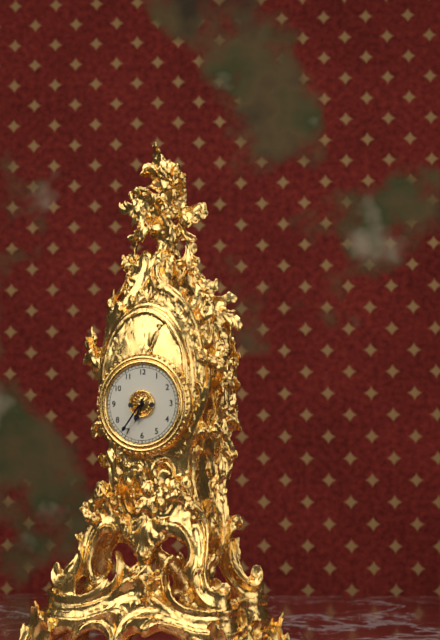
**6:36**
